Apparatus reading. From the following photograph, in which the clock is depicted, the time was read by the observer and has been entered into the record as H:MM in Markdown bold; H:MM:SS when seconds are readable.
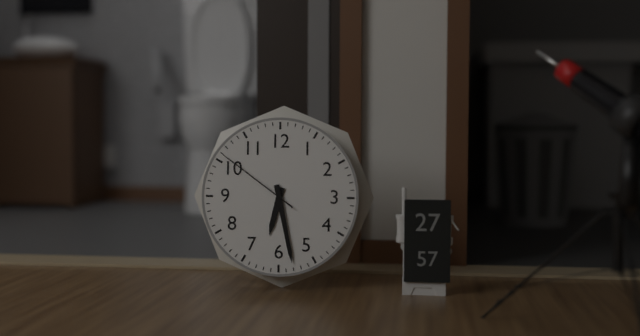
**6:28:51**
